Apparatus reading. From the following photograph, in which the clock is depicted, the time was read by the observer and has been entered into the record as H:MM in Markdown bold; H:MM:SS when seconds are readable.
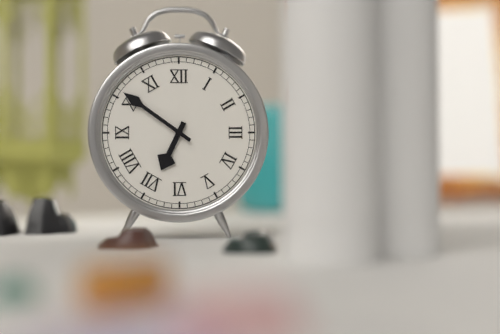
**6:51**
